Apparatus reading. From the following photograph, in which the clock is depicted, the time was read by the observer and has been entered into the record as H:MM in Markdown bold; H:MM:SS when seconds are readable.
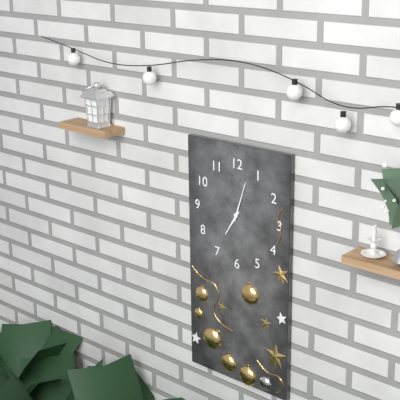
**7:03**
